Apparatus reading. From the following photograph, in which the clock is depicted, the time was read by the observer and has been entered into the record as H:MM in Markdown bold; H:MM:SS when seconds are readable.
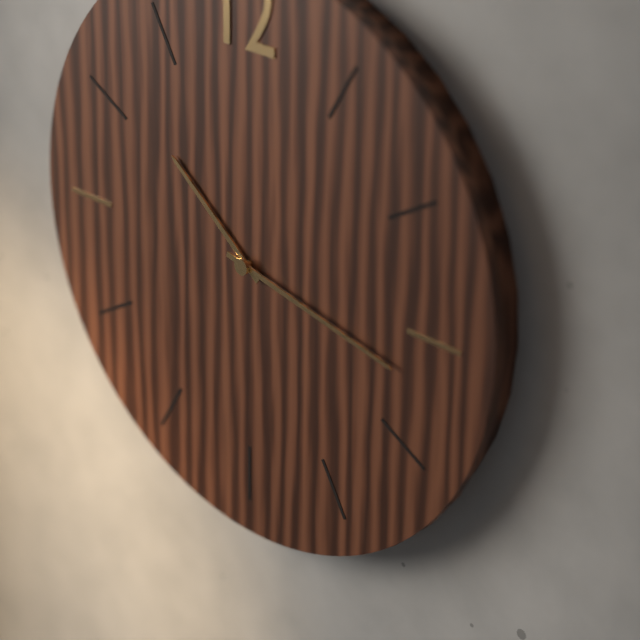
**10:17**
